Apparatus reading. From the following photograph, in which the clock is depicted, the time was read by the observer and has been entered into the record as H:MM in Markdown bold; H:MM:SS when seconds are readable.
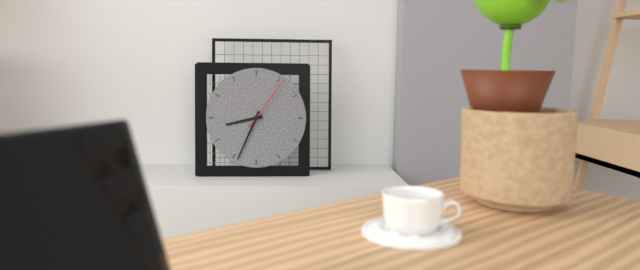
**8:34:06**
